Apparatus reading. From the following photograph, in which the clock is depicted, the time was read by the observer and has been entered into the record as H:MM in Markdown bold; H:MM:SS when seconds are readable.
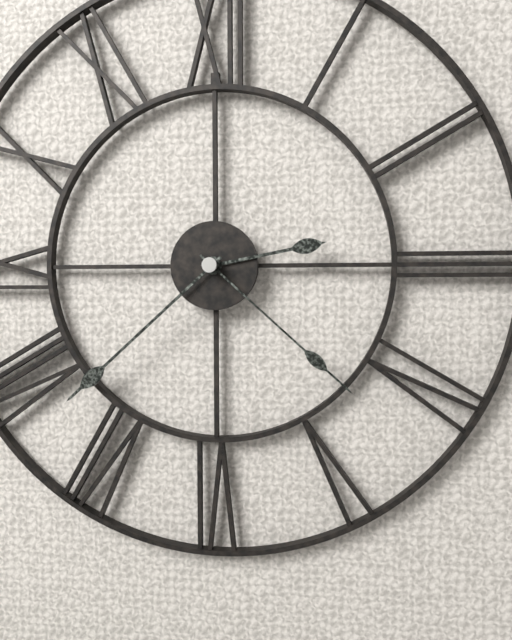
**2:38:22**
